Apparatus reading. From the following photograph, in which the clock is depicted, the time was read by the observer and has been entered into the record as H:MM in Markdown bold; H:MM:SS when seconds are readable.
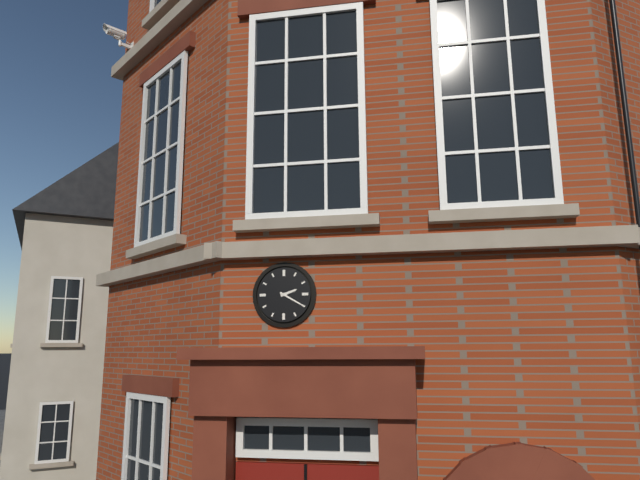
**2:20**
